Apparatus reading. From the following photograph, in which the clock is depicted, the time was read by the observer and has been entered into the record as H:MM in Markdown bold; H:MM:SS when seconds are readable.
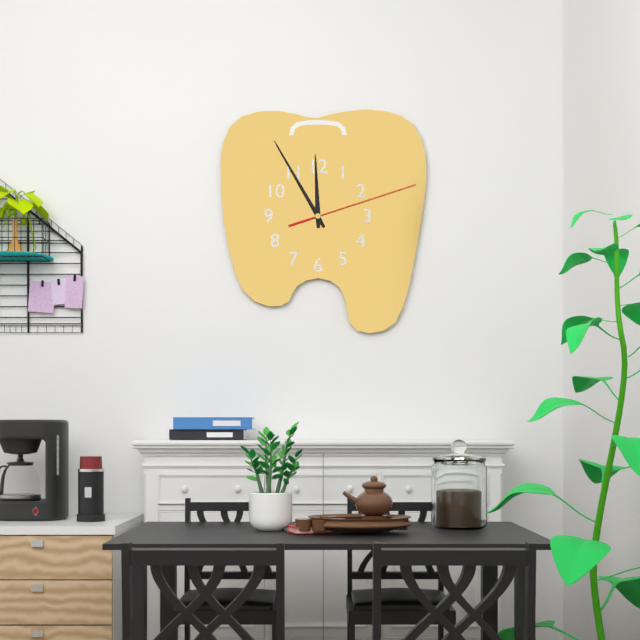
**11:55:12**
